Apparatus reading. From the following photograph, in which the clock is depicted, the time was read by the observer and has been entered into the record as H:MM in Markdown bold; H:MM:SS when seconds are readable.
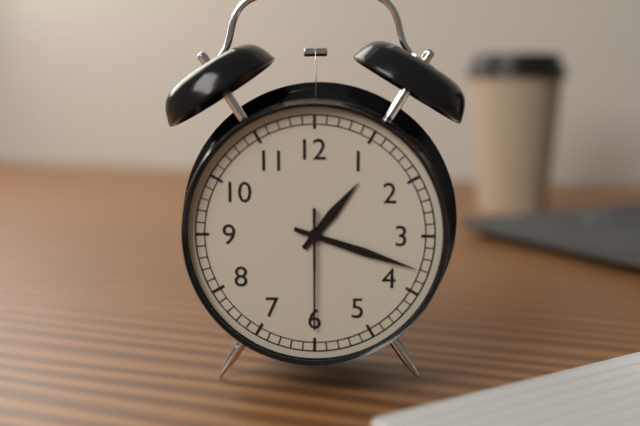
**1:18:30**
